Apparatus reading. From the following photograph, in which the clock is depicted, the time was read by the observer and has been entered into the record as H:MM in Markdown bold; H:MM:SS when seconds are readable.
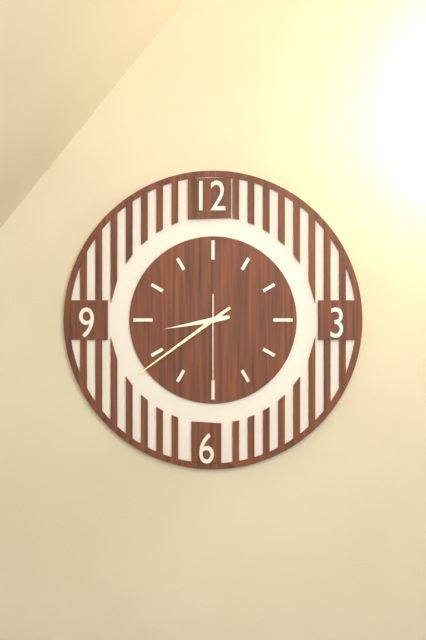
**8:39:30**
